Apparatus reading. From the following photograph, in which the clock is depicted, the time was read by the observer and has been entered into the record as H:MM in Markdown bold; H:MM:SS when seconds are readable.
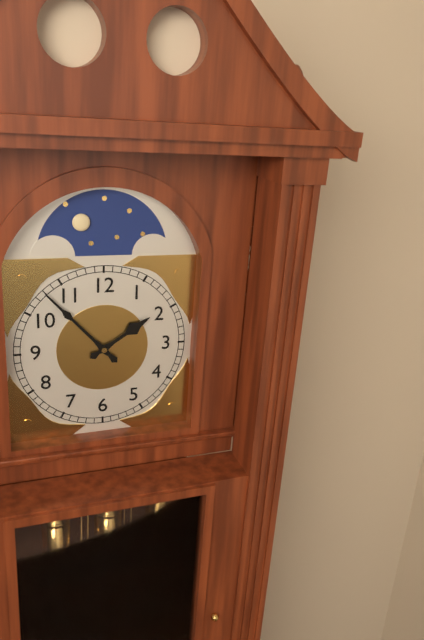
**1:53**
